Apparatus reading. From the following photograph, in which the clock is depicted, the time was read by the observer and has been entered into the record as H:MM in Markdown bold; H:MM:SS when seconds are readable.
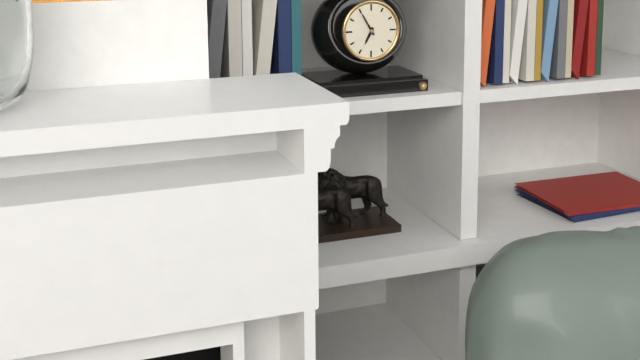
**6:55**
